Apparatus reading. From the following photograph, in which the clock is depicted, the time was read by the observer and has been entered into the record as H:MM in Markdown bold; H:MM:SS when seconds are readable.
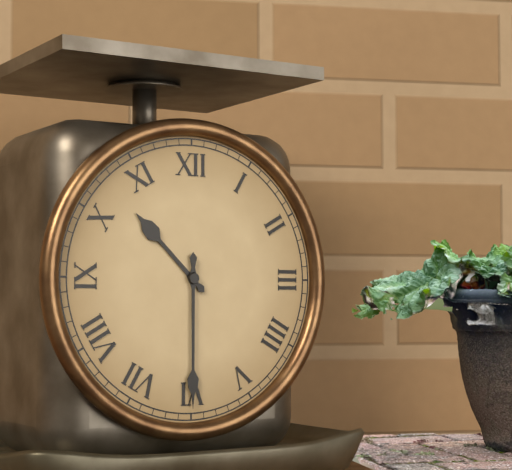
**10:30**
